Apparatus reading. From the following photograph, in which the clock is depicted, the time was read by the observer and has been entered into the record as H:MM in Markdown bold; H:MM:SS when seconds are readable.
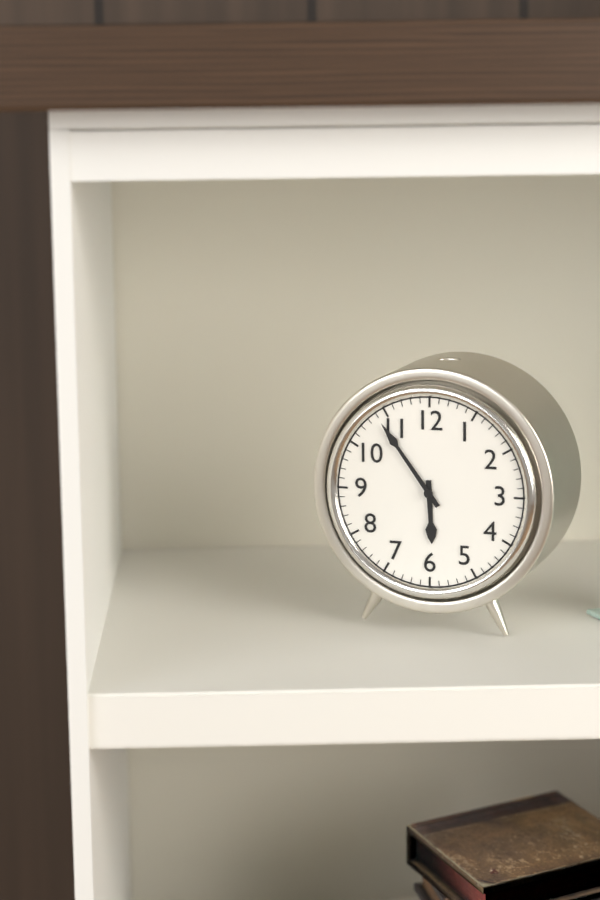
**5:54**
